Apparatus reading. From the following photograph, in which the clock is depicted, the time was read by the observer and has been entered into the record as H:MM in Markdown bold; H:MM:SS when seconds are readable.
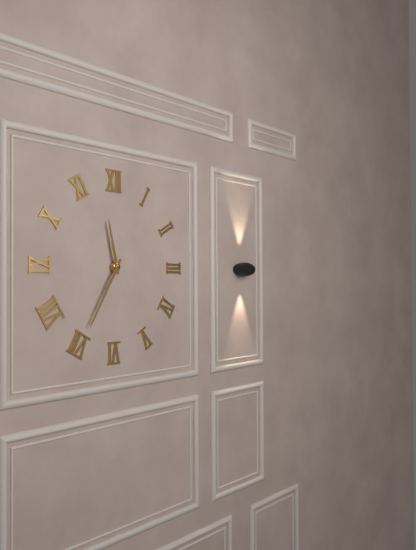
**11:35**
